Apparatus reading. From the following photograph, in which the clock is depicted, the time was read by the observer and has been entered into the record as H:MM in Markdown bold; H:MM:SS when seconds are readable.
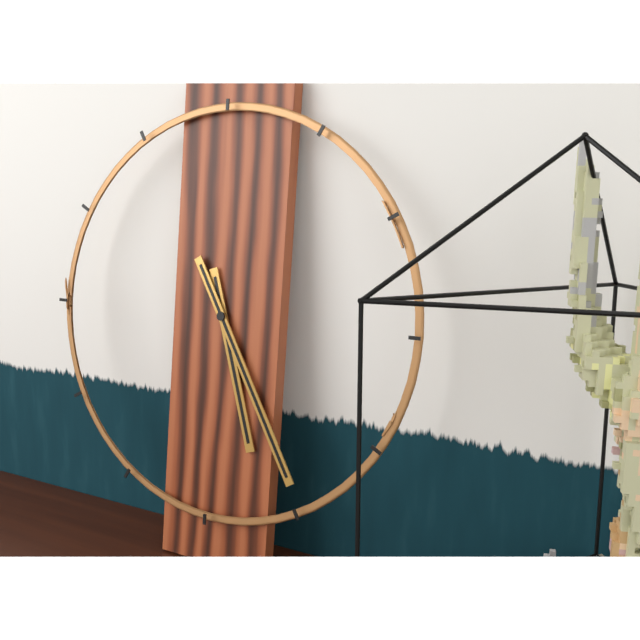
**5:25**
